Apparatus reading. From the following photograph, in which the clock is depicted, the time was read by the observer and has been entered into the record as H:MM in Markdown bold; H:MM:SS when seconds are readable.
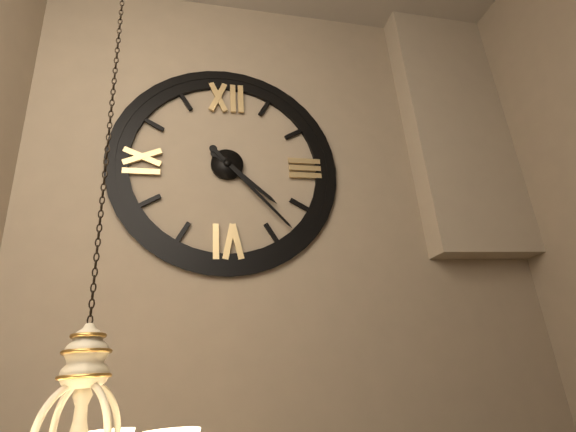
**4:23**
